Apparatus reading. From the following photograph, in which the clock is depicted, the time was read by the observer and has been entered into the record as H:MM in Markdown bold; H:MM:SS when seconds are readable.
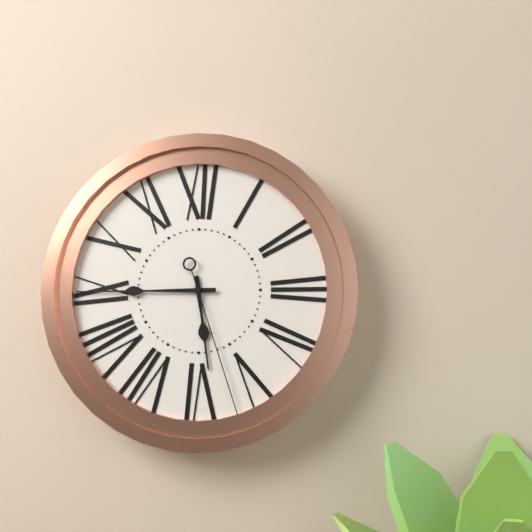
**5:45:27**
